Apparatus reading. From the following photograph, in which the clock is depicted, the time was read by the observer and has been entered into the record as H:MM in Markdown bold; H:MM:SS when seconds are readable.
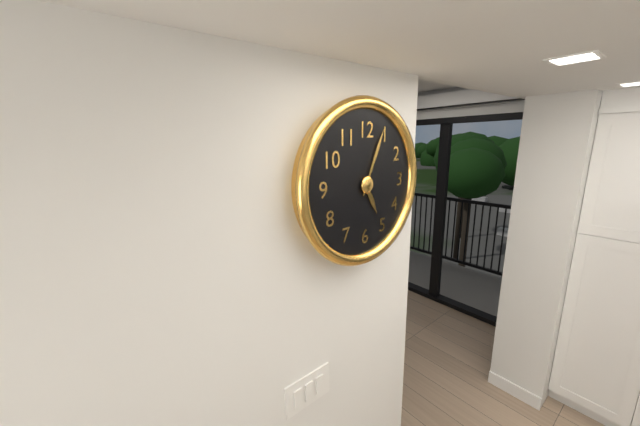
**5:04**
